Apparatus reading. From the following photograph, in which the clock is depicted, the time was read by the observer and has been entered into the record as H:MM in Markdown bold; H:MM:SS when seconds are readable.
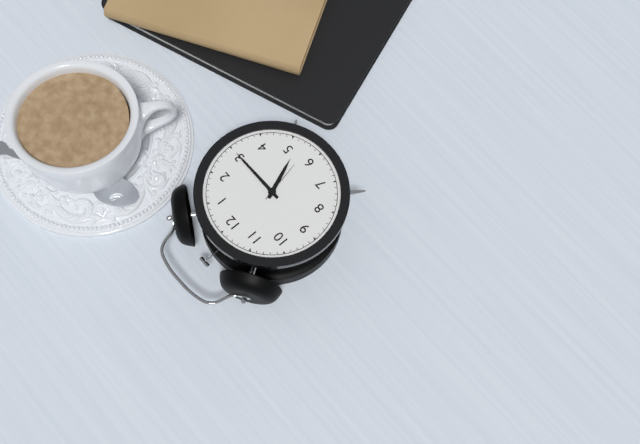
**5:15**
